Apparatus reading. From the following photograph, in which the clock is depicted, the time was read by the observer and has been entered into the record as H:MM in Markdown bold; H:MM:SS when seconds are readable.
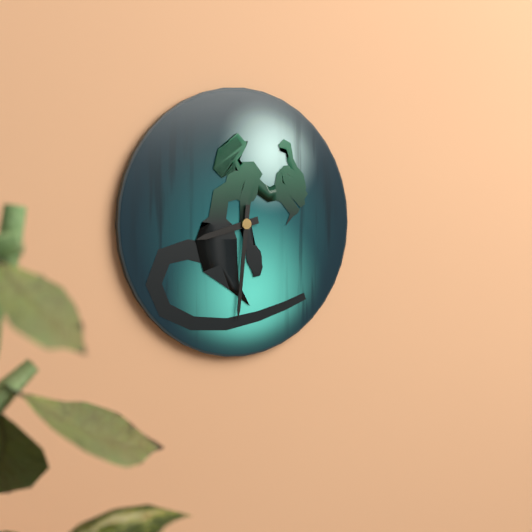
**8:31**
